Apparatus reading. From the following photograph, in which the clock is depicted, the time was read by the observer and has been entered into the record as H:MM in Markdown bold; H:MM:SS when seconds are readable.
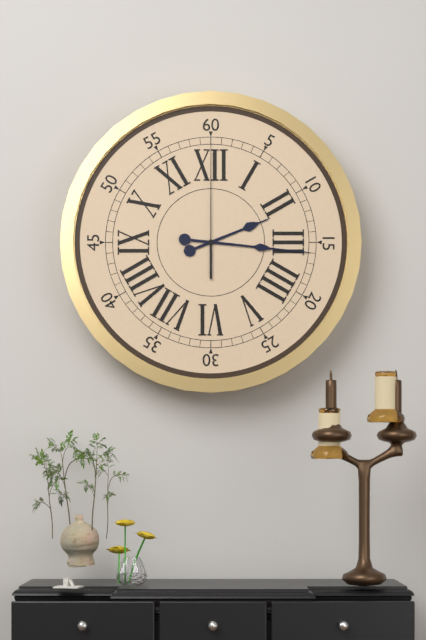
**2:16:00**
